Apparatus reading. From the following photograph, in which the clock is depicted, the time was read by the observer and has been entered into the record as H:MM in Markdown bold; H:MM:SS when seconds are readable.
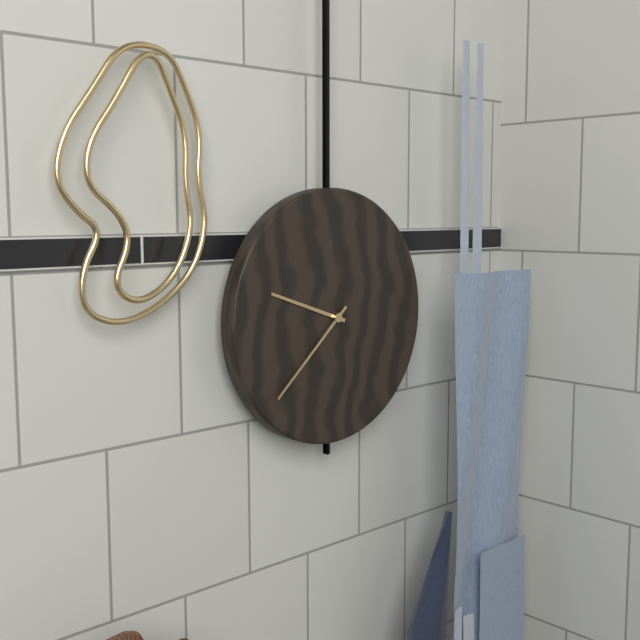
**9:38**
